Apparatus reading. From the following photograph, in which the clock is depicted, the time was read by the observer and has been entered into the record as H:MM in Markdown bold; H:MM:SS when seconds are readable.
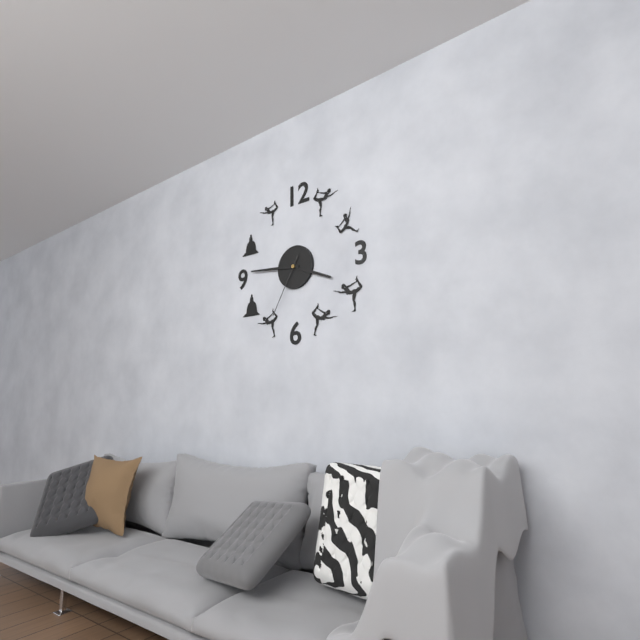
**3:46:35**
